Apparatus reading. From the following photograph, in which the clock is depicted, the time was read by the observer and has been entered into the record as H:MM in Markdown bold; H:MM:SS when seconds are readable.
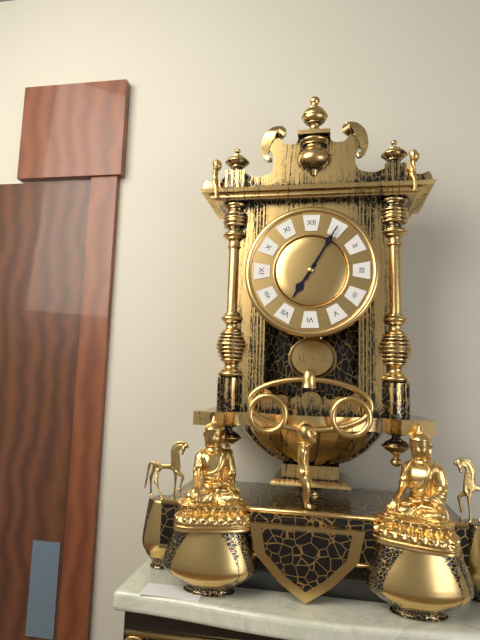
**7:05**
